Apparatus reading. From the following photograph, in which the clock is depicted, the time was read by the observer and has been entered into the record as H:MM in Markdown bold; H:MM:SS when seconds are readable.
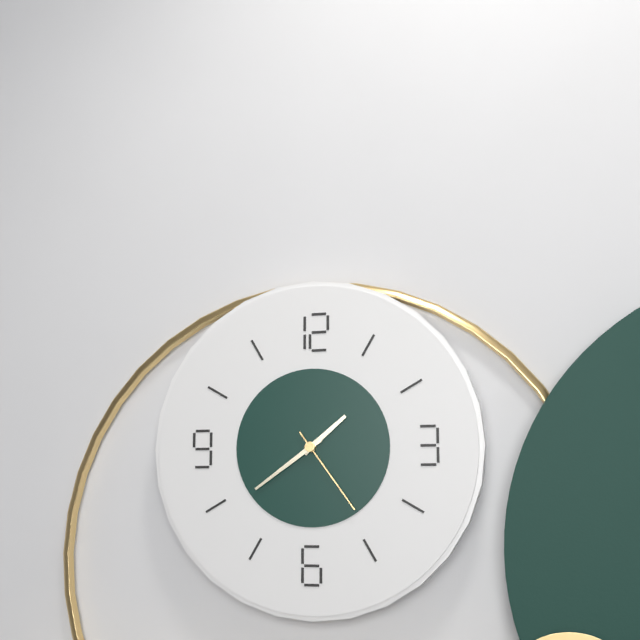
**1:39:24**
